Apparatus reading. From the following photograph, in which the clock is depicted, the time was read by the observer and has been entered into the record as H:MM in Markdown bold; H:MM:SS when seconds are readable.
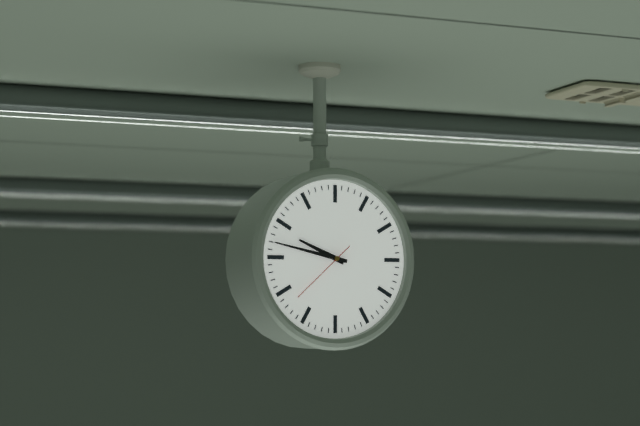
**9:47:38**
